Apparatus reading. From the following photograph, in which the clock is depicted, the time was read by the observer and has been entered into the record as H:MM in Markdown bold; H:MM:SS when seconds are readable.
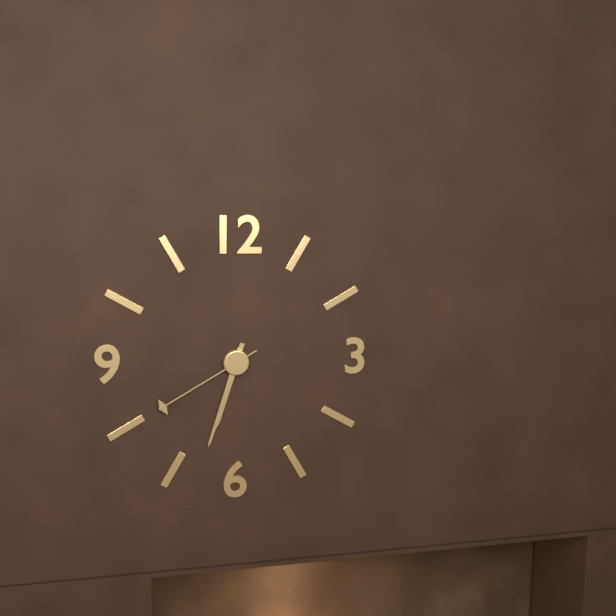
**6:33:40**
